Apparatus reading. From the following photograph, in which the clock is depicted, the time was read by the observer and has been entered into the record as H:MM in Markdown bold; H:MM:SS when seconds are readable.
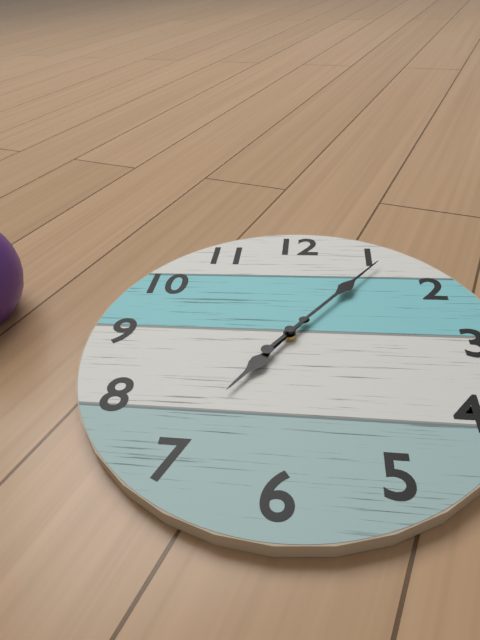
**7:06**
